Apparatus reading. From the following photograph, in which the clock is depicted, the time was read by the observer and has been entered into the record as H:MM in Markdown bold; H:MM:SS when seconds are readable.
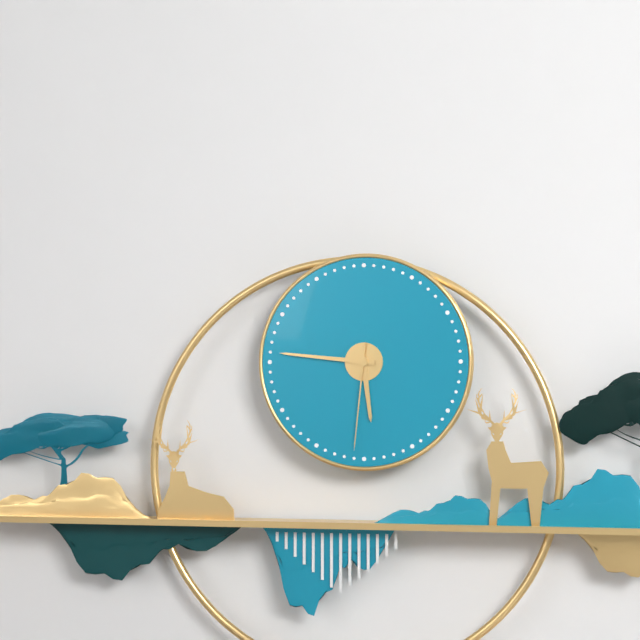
**5:46:31**
